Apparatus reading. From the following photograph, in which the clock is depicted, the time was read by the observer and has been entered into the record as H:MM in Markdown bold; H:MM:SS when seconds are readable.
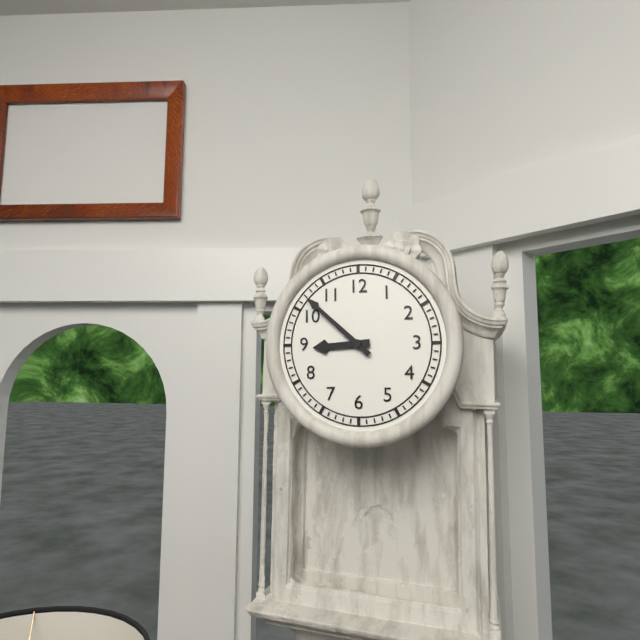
**8:52**
